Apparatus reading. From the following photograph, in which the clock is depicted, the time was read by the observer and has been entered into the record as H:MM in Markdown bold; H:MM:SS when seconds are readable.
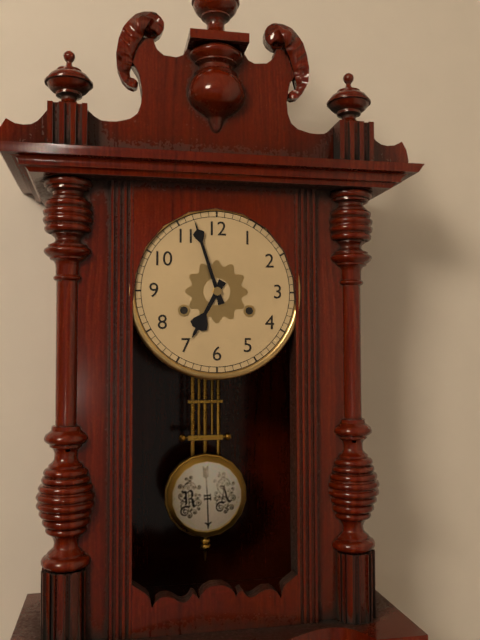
**6:57**
